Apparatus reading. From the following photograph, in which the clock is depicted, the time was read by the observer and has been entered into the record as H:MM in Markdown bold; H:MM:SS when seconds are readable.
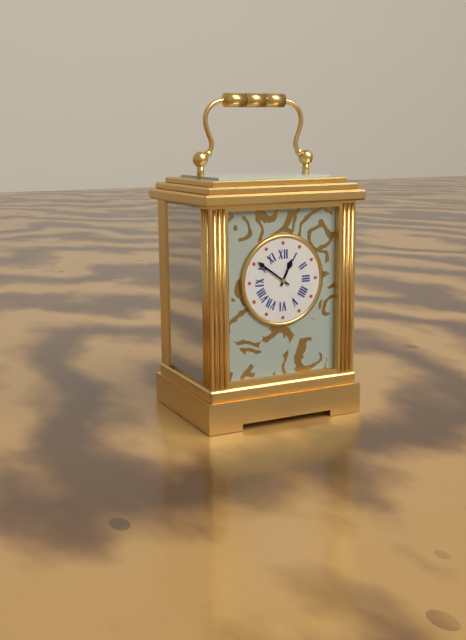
**12:51**
